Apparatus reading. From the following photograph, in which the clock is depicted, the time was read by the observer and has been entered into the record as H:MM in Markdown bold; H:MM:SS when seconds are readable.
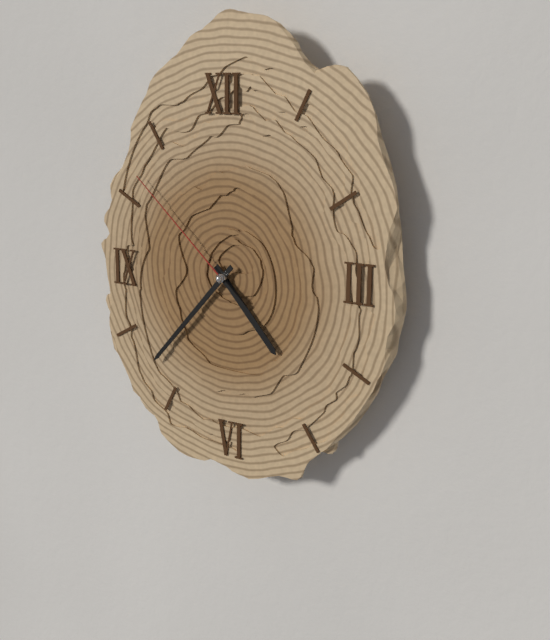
**4:37:52**
